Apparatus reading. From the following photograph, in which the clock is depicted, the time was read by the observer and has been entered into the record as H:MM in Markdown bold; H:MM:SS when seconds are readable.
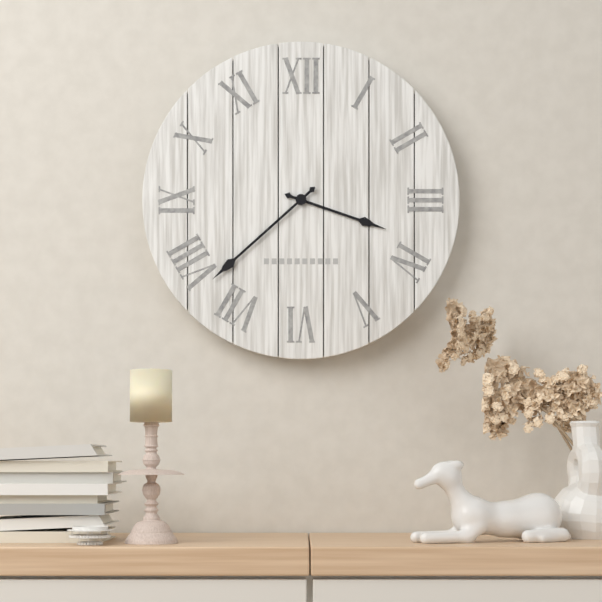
**3:38**
